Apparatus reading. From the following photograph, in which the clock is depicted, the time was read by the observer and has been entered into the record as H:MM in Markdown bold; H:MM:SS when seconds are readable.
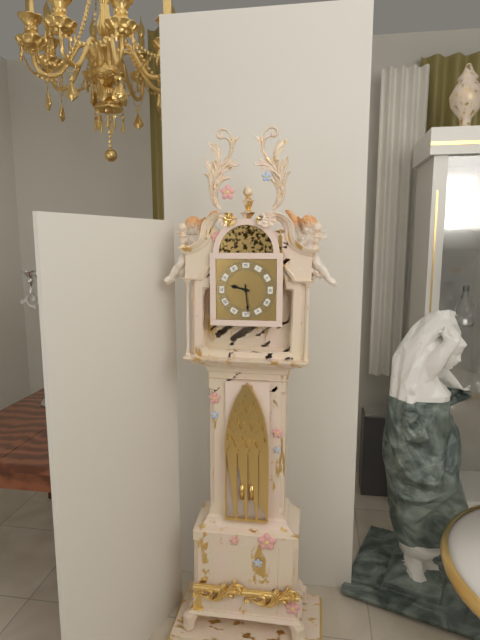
**9:29**
